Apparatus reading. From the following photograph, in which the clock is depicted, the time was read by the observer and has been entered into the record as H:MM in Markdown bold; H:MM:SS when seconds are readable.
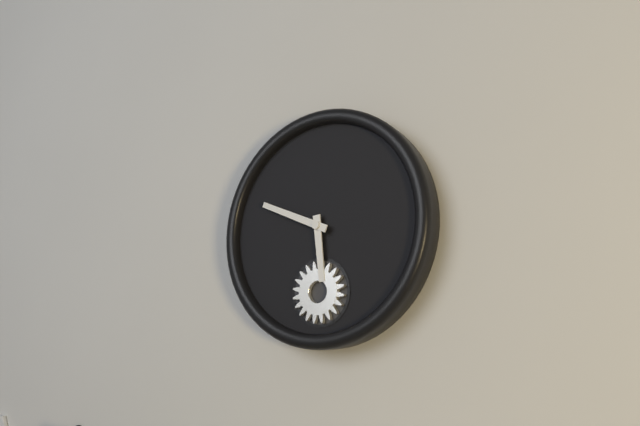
**5:49**
